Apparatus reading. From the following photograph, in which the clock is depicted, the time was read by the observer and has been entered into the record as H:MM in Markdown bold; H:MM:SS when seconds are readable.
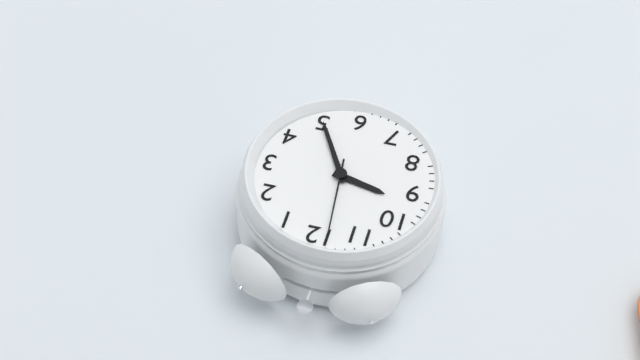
**9:25:59**
